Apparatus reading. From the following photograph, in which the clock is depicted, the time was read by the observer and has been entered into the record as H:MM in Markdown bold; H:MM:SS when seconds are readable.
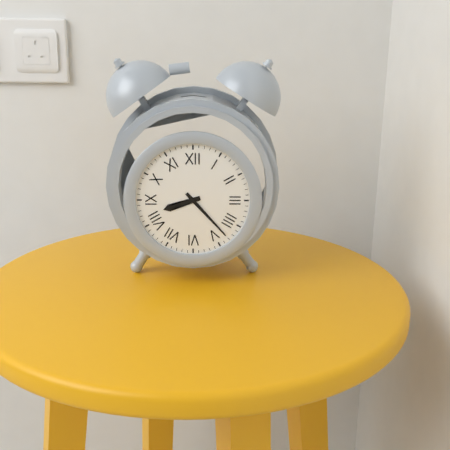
**8:23**
